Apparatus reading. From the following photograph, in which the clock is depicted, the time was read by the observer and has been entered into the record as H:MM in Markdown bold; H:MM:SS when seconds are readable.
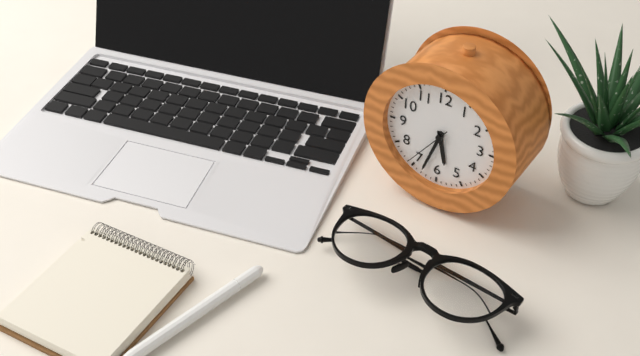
**5:33**
